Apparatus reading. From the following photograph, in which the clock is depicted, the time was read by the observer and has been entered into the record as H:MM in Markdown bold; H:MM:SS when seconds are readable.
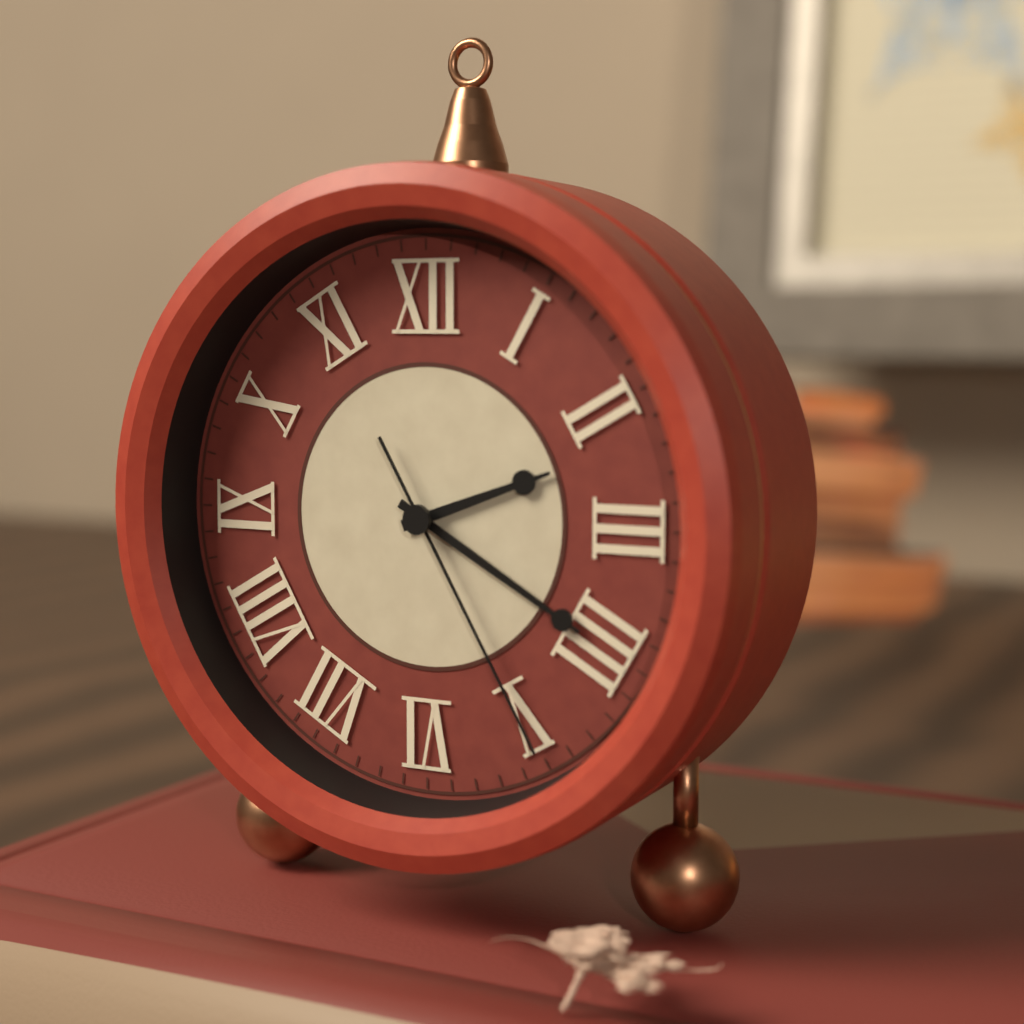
**2:20:25**
